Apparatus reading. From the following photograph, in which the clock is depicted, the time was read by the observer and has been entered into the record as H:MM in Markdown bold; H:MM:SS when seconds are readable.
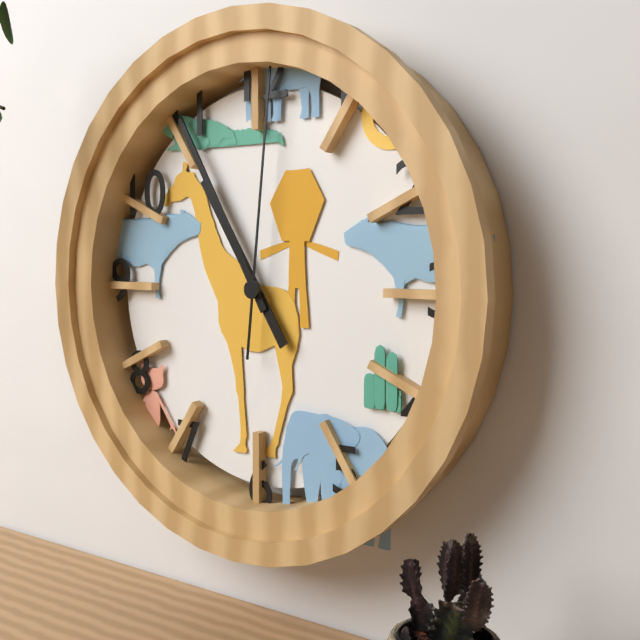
**10:55:01**
